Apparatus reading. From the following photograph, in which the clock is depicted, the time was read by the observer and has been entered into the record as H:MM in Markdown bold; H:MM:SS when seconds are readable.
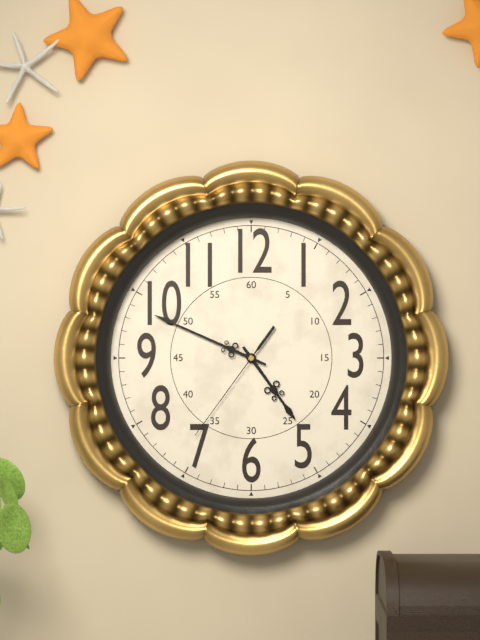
**4:49:36**
